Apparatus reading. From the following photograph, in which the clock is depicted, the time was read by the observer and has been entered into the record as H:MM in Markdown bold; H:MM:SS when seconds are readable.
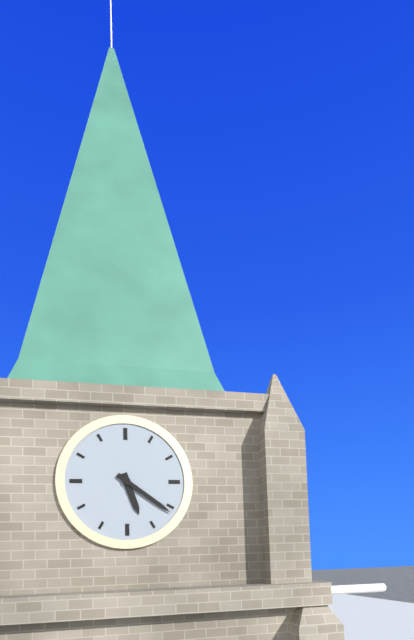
**5:21**
